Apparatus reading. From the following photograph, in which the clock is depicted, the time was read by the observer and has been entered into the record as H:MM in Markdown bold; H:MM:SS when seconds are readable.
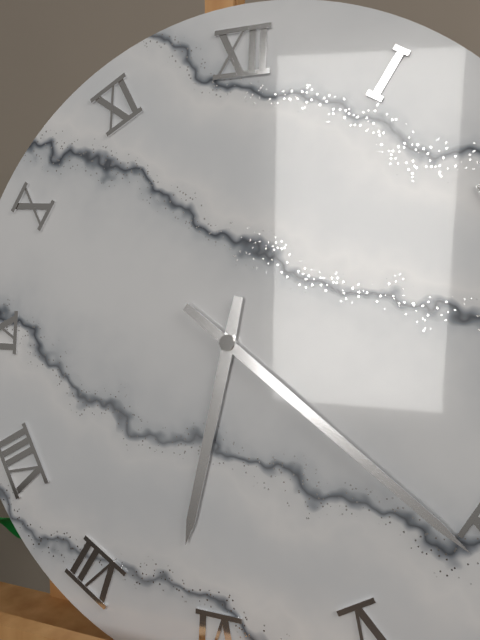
**6:21**
